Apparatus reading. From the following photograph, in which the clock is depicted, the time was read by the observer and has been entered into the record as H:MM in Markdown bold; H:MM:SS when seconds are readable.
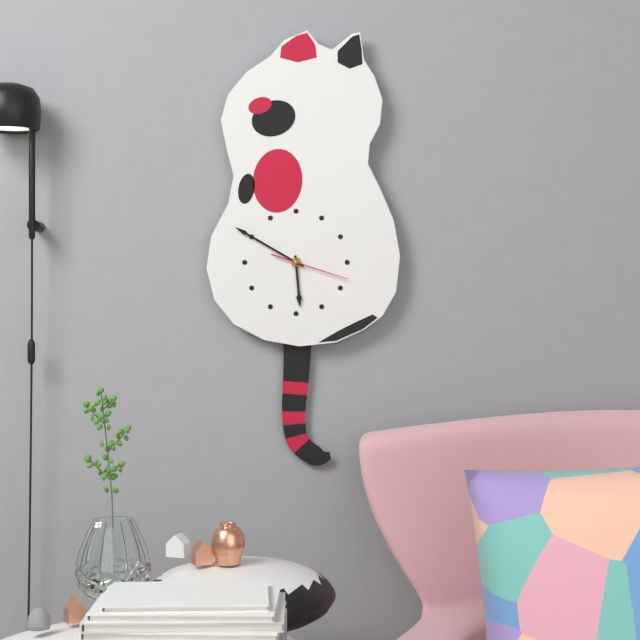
**5:50:18**
